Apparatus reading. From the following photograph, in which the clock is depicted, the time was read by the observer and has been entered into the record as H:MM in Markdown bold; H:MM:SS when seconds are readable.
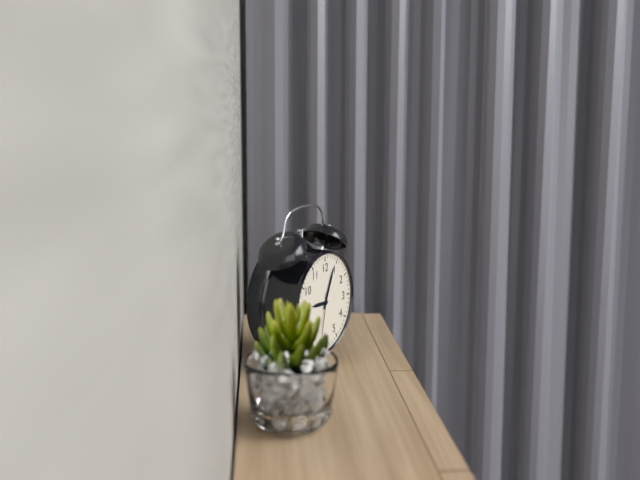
**9:04:32**
